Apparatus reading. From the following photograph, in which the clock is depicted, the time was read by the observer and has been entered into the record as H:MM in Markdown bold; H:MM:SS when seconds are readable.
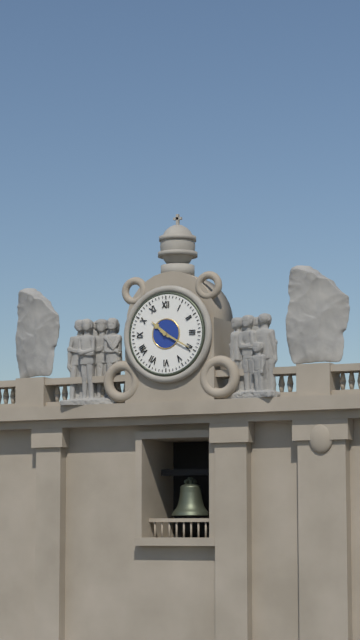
**10:20**
